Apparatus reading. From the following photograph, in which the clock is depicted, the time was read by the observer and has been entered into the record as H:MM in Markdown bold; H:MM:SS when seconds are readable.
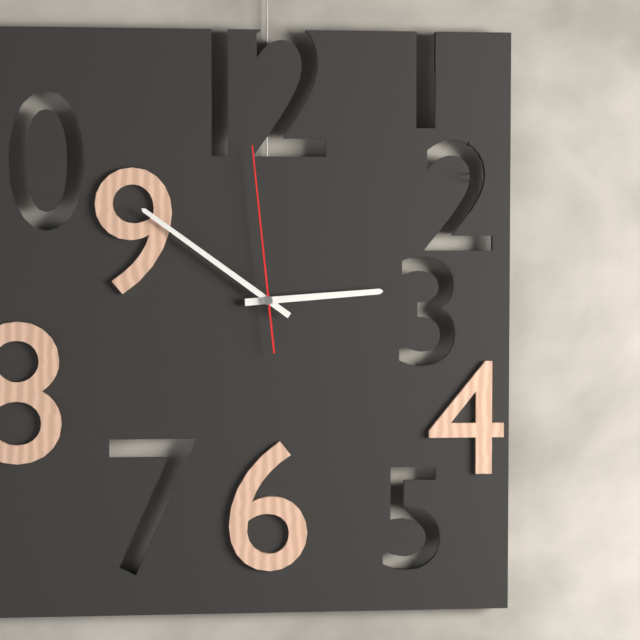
**2:51:59**
